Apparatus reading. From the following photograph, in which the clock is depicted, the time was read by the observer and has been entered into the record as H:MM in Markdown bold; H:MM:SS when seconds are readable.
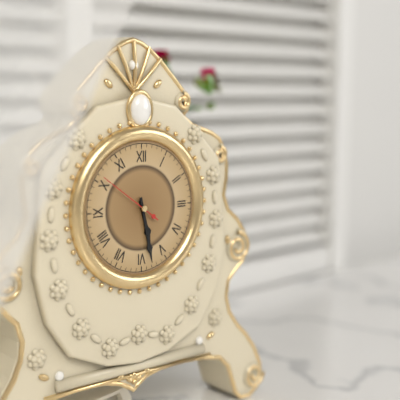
**5:28:51**
